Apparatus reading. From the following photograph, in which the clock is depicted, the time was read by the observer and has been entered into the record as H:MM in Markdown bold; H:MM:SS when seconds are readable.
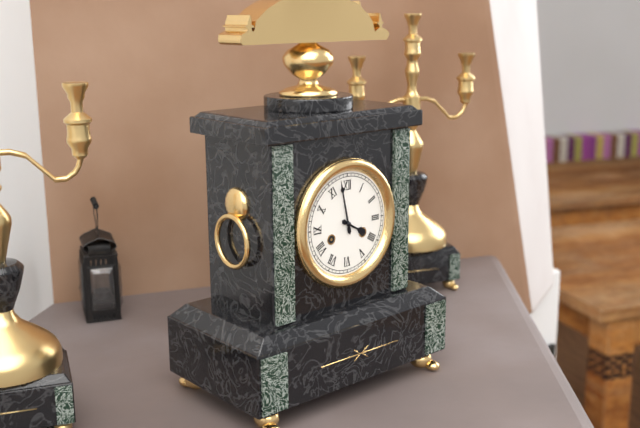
**3:58**
